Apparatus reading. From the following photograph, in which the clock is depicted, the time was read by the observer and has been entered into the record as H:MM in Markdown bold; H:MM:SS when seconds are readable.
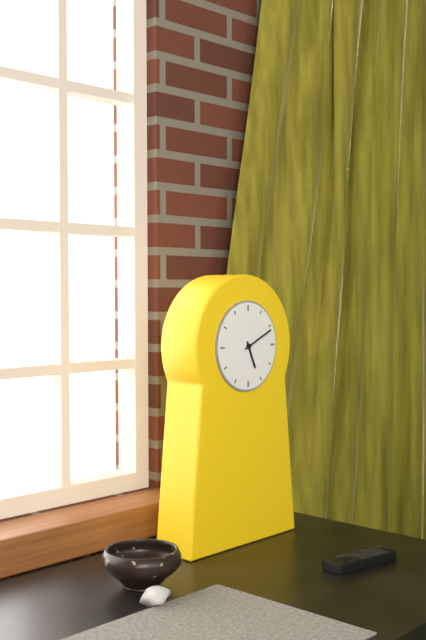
**5:11**
